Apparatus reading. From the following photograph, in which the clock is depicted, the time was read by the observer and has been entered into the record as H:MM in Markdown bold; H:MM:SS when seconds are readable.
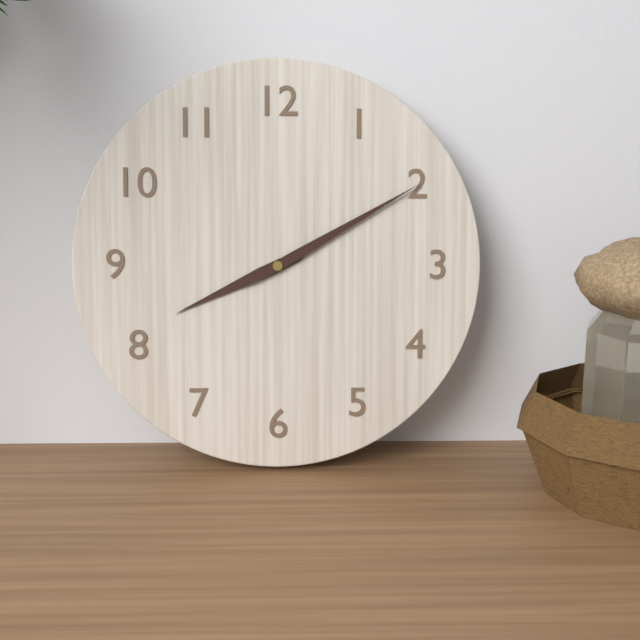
**8:10**
